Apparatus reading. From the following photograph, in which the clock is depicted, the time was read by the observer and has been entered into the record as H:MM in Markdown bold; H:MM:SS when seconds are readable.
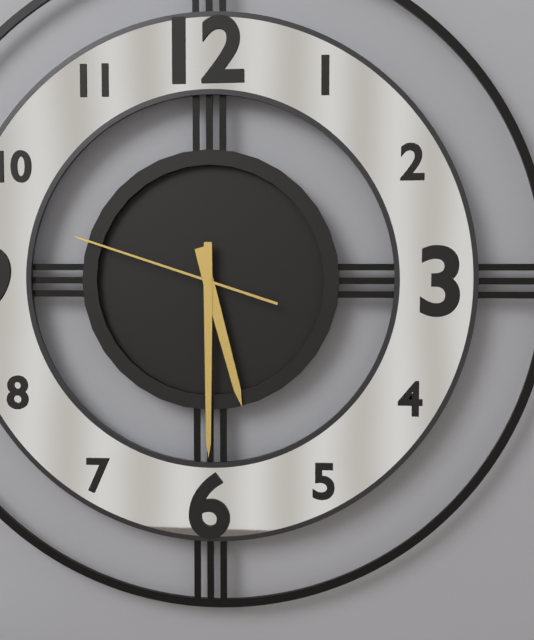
**5:30:48**
